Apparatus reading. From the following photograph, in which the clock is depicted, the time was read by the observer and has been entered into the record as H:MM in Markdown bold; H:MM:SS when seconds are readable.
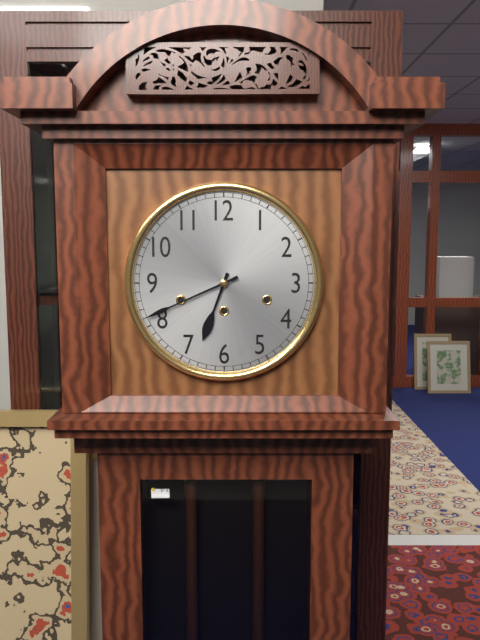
**6:41**
